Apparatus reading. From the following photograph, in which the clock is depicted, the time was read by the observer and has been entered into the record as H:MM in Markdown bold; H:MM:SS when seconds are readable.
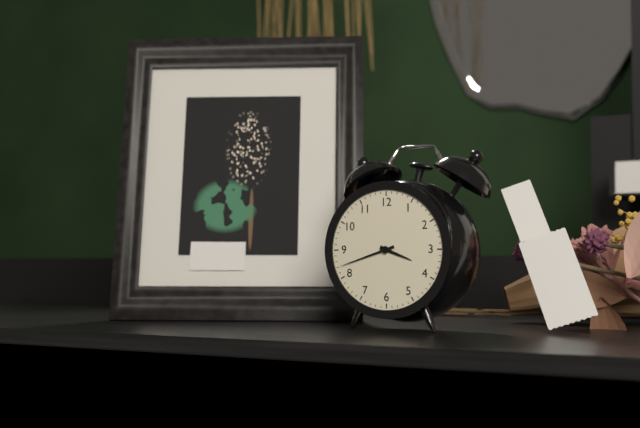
**3:42**
